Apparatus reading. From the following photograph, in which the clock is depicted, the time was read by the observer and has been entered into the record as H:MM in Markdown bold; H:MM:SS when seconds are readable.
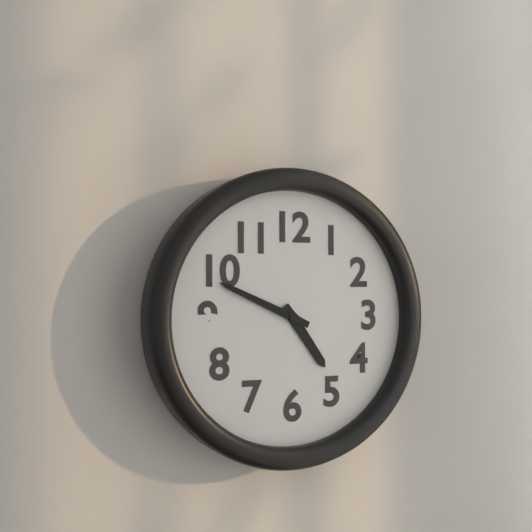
**4:49**
